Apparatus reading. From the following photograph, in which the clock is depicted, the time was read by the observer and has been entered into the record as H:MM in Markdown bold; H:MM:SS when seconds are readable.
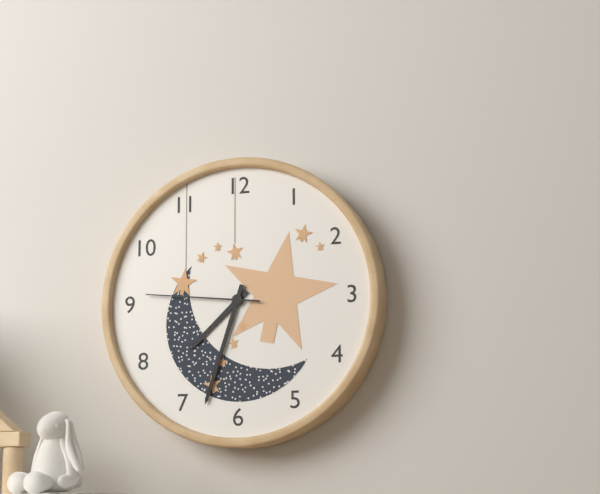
**7:33:46**
